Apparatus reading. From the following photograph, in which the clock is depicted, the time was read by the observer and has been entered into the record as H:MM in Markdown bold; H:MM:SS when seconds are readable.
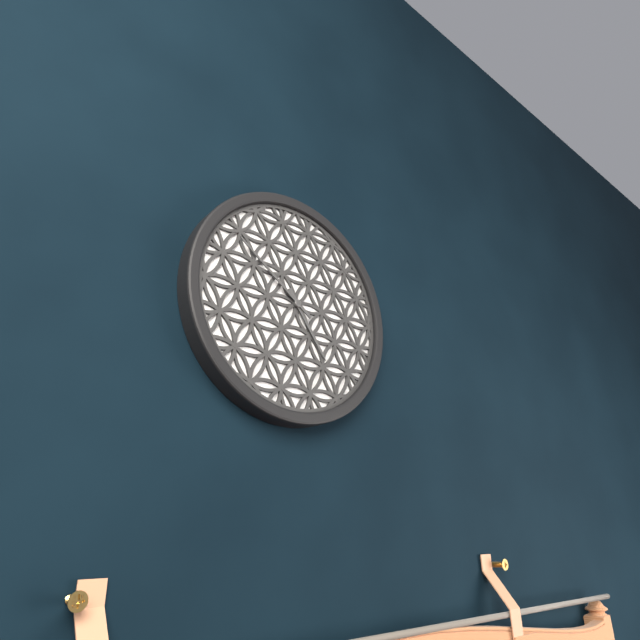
**4:51**
